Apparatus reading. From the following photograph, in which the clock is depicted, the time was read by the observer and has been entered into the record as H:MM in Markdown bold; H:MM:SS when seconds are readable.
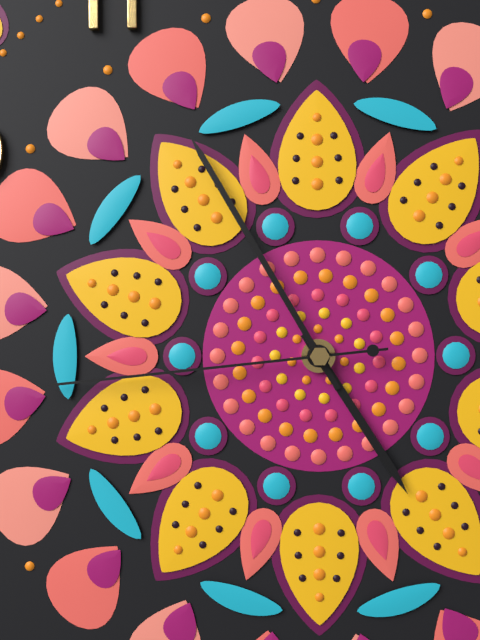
**4:55:44**
